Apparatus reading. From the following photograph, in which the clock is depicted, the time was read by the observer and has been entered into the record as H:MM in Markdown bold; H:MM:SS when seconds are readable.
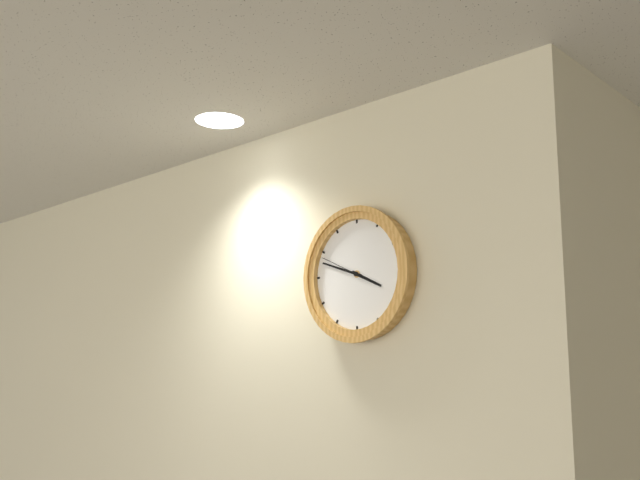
**3:48**
